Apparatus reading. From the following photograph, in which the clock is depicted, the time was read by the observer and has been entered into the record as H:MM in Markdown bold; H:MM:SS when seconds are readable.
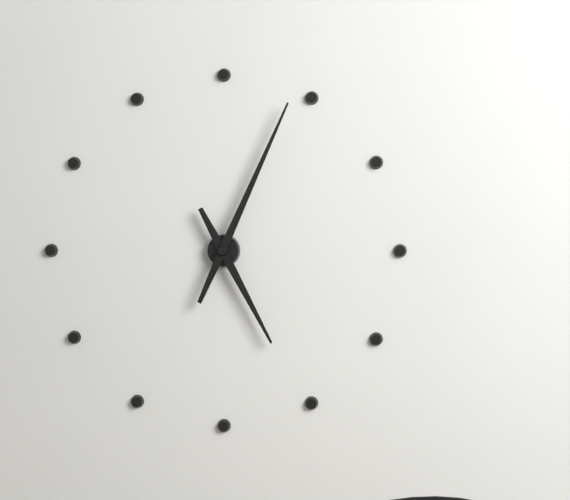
**5:04**
